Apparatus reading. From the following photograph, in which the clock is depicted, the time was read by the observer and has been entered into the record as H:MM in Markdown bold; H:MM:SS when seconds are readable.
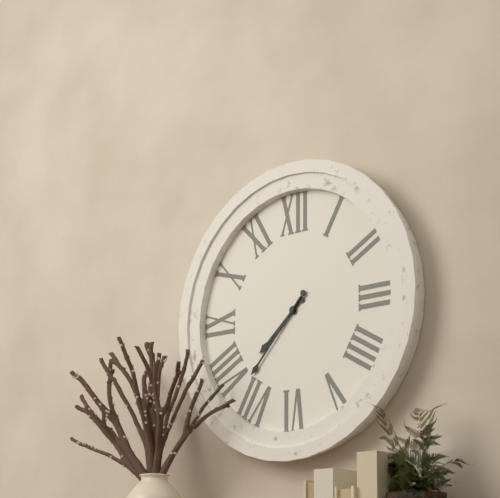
**7:37**
